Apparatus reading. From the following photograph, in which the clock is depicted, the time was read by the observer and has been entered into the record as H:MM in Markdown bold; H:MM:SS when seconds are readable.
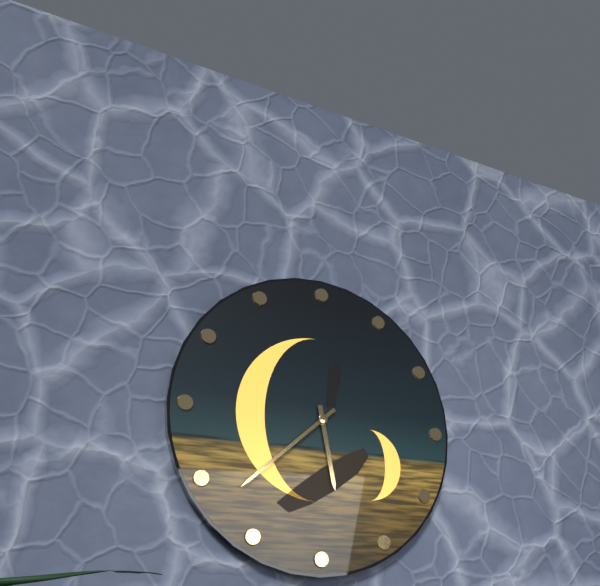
**5:38**
